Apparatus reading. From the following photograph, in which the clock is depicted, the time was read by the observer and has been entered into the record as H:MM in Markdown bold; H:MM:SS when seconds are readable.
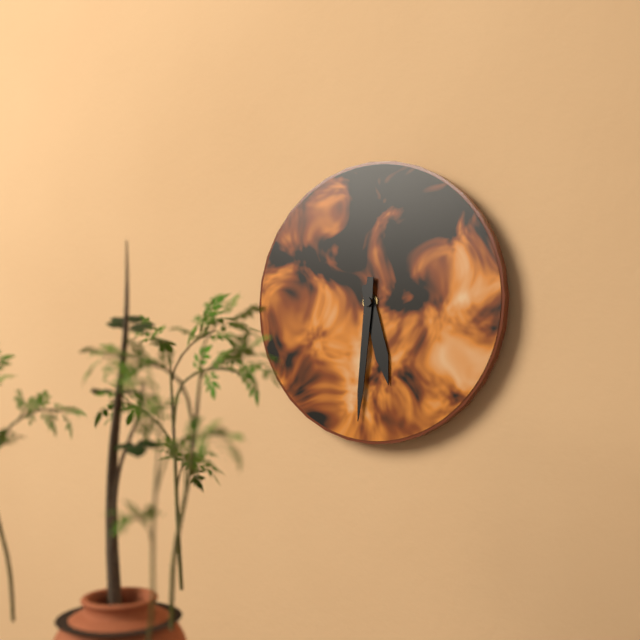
**5:31**
